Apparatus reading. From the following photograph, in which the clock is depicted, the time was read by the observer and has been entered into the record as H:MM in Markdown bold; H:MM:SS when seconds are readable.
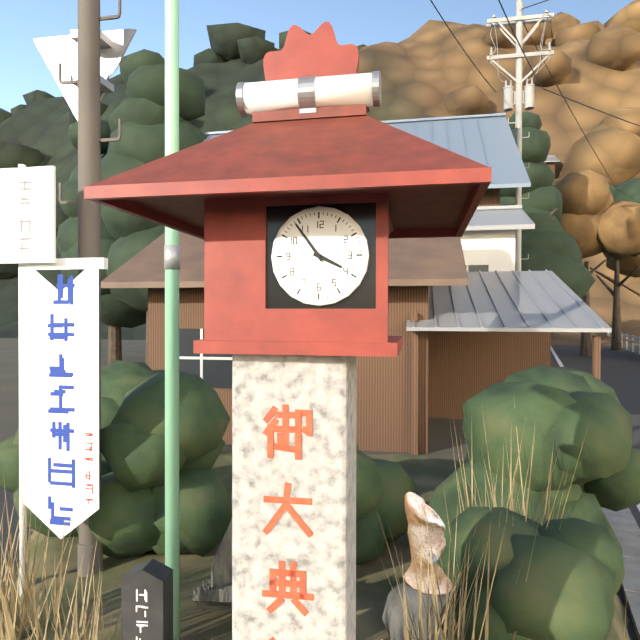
**3:54**
